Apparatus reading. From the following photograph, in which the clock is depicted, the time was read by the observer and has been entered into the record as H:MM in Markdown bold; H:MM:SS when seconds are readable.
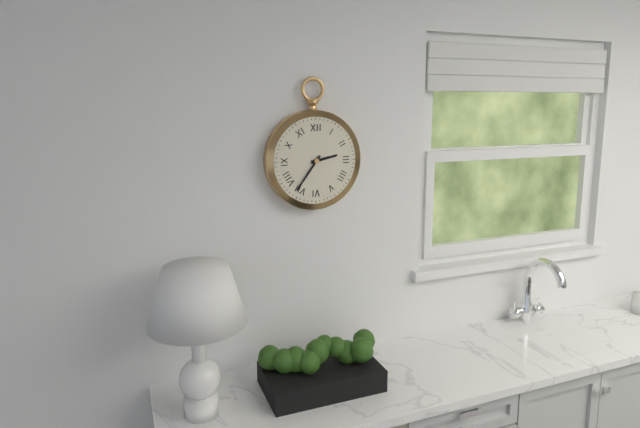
**2:36**
